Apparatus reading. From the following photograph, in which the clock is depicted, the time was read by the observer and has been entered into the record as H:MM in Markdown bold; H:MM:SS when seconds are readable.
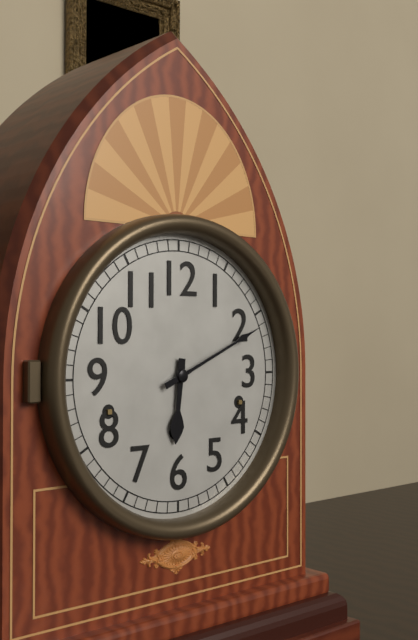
**6:11**
